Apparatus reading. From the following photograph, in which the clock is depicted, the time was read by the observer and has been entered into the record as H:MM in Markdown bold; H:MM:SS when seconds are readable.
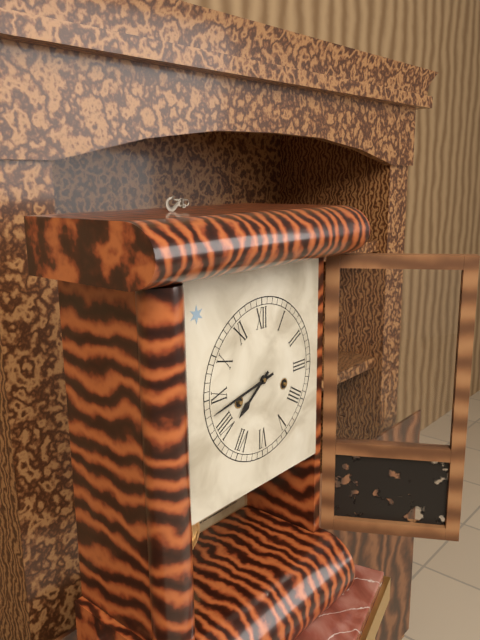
**7:43**
